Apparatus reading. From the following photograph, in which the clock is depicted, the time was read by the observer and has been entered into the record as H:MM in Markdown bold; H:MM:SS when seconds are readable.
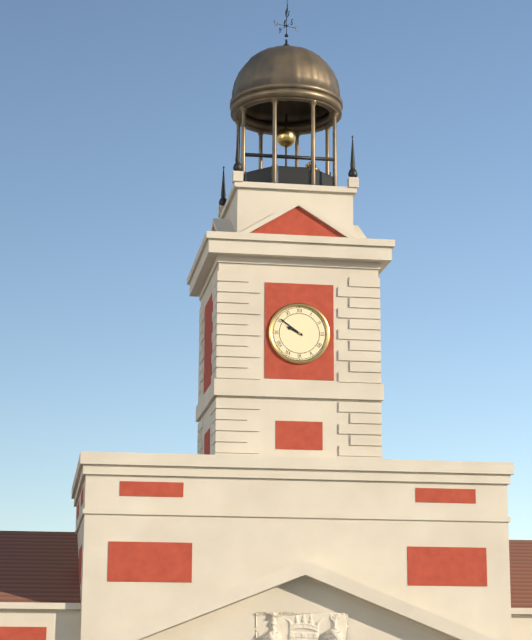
**9:51**
